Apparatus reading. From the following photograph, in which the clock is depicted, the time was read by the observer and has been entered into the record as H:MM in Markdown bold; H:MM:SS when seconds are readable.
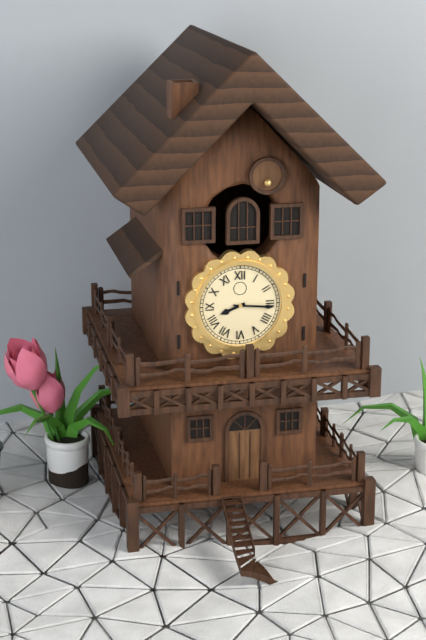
**8:16**
